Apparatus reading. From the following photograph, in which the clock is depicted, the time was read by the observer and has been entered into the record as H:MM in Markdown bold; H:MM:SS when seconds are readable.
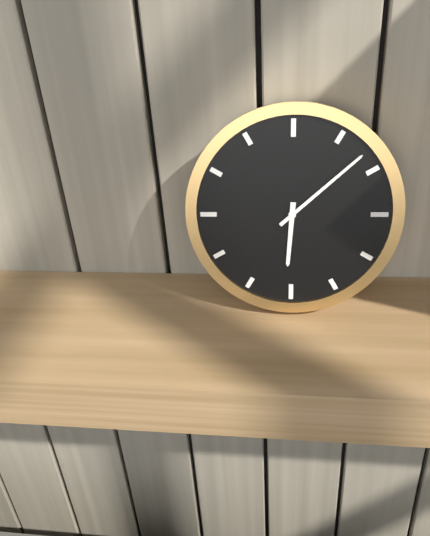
**6:08**
